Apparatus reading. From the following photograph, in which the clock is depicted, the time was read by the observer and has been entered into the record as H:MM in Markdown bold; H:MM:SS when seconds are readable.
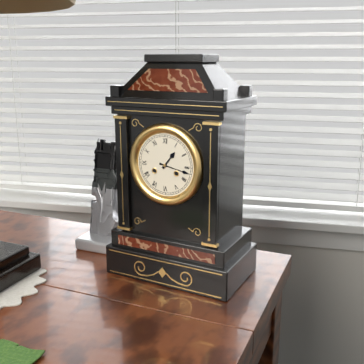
**1:17**
